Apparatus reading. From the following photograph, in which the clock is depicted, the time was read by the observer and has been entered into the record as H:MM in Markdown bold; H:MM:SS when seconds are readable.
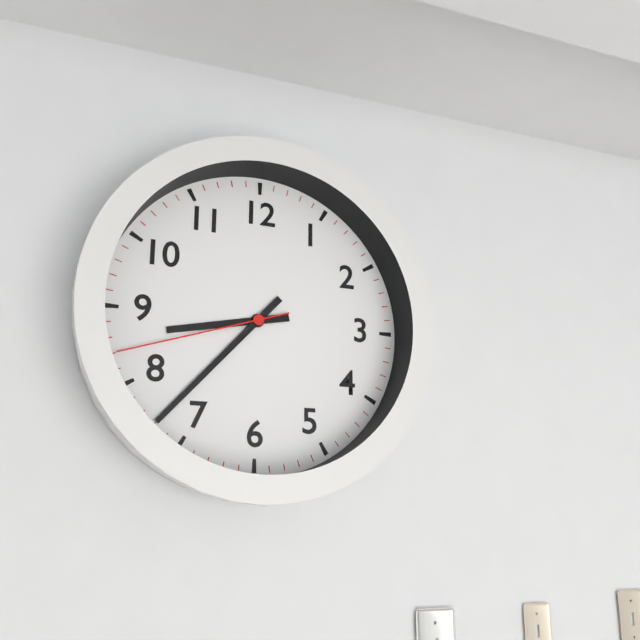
**8:37:42**
